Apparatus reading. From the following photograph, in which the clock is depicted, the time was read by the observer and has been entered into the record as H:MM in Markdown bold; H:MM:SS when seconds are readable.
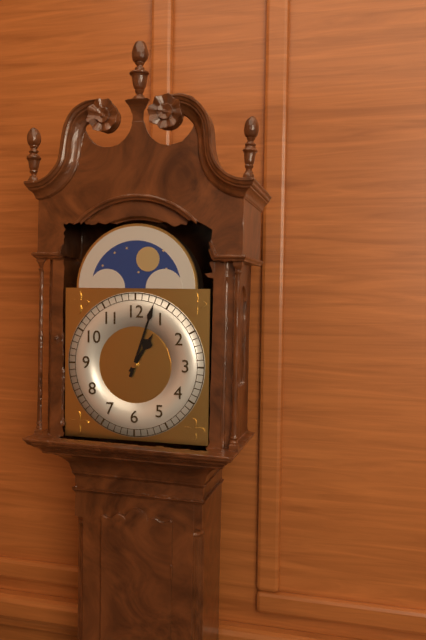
**1:03**
